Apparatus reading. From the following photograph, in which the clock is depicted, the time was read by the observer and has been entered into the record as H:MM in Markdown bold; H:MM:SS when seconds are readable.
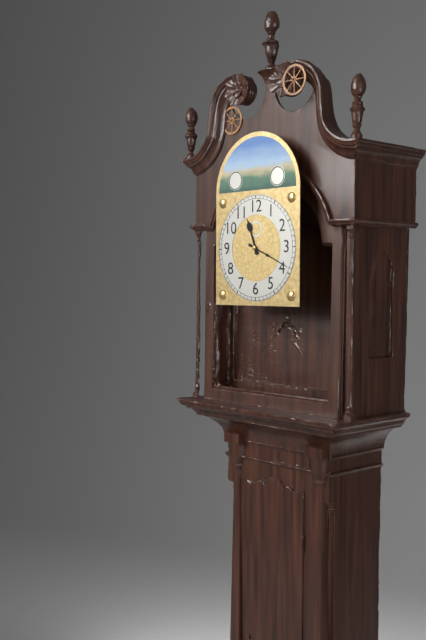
**11:19**
